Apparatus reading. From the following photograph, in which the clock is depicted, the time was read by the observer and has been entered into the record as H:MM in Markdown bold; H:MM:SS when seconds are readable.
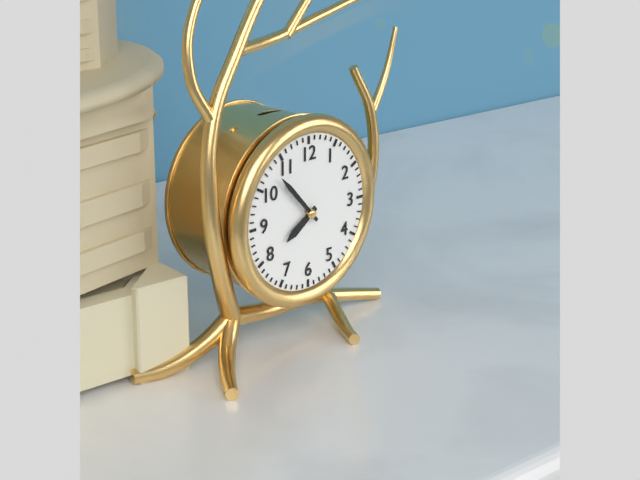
**7:53**
